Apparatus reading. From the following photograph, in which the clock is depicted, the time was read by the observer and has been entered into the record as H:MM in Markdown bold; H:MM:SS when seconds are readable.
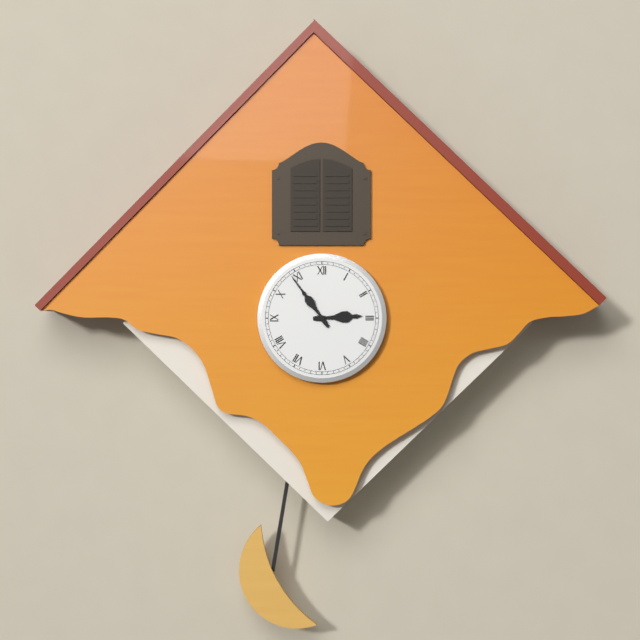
**2:54**
